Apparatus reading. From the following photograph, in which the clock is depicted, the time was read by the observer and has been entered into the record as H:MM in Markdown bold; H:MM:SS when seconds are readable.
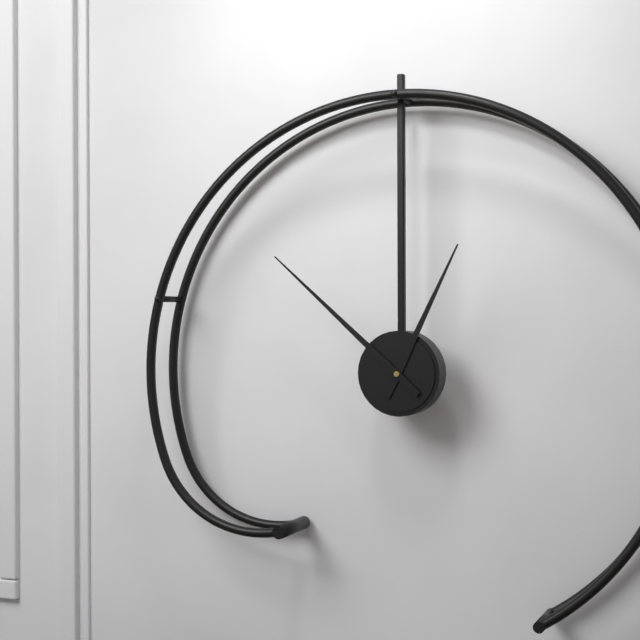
**12:52**
